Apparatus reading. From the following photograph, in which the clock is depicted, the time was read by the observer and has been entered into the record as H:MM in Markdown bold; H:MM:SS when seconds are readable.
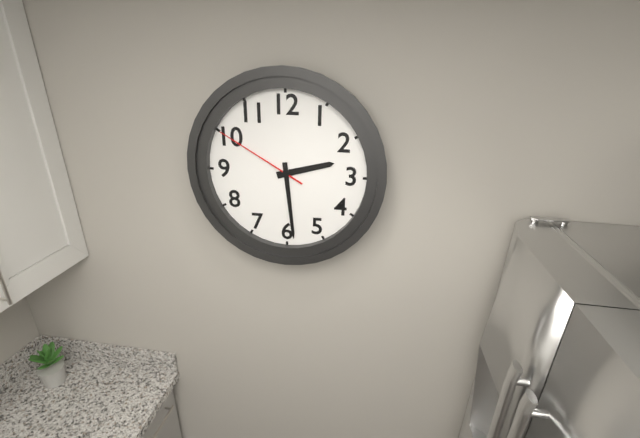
**2:29:50**
